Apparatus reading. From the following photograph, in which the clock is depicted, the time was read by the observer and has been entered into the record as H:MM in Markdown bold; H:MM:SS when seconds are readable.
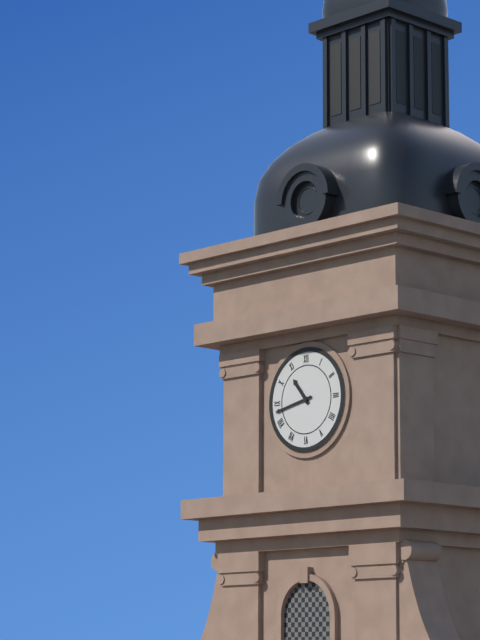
**10:43**
